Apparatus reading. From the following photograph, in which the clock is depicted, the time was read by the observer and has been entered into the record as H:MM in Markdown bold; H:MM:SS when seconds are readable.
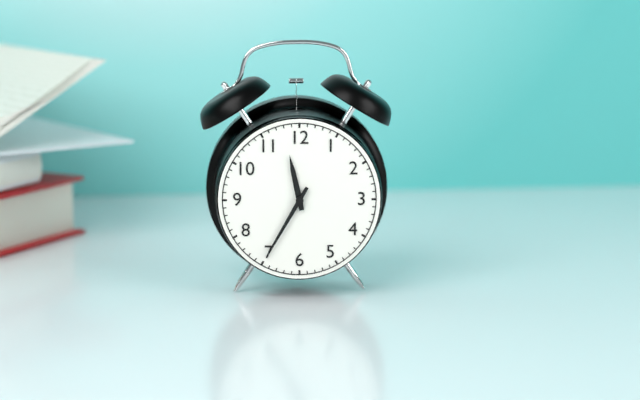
**11:35**
